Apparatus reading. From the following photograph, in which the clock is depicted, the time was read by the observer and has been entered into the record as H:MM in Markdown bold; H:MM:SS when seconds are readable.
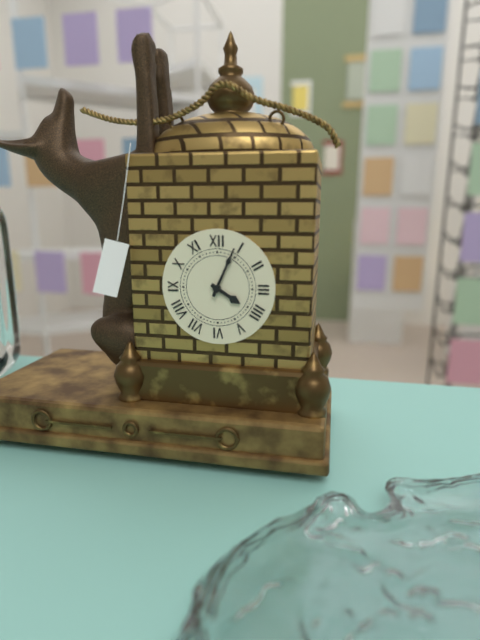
**4:04**
